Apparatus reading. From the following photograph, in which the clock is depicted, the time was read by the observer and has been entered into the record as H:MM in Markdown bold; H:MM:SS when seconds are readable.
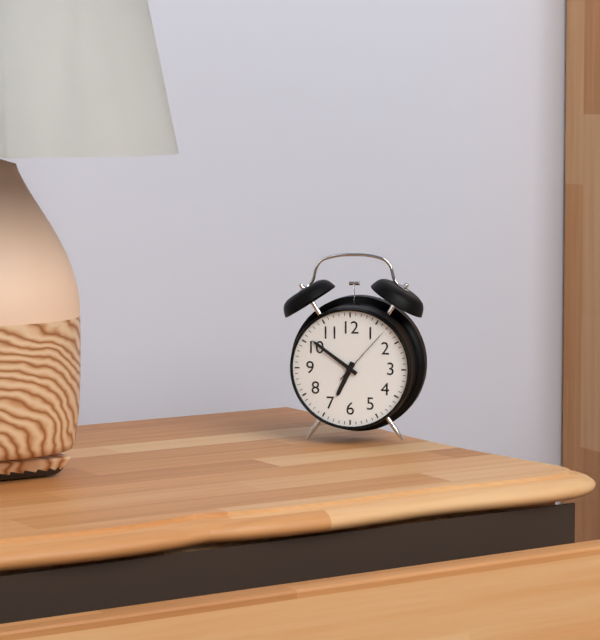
**6:51:07**
